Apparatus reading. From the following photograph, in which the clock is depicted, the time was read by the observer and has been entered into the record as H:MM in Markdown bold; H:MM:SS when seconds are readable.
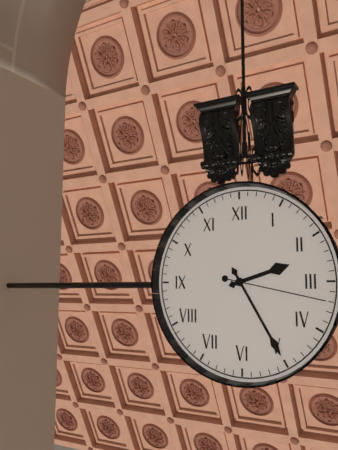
**2:25:17**
